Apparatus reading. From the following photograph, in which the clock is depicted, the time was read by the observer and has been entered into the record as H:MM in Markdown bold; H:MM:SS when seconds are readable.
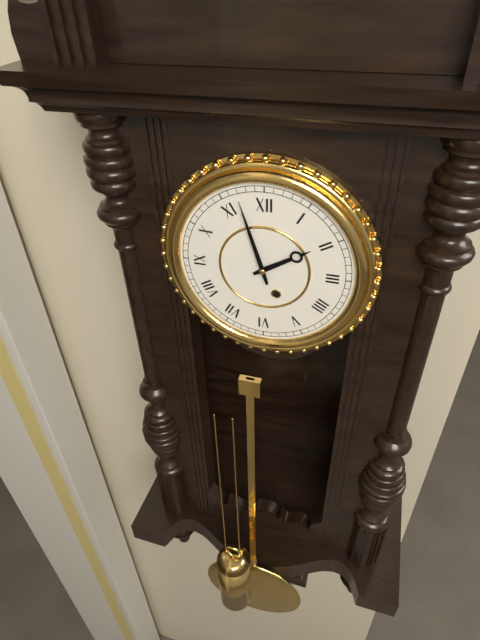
**1:57**
